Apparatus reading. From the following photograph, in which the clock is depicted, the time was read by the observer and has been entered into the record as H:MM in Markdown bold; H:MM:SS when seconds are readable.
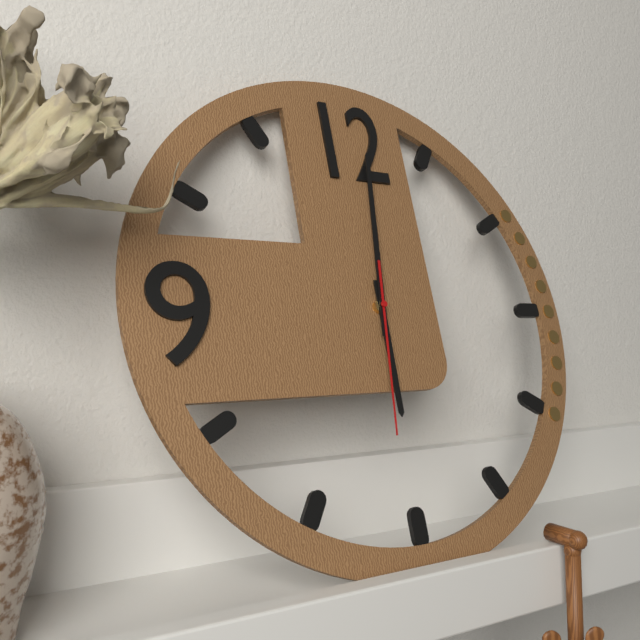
**6:01:31**
